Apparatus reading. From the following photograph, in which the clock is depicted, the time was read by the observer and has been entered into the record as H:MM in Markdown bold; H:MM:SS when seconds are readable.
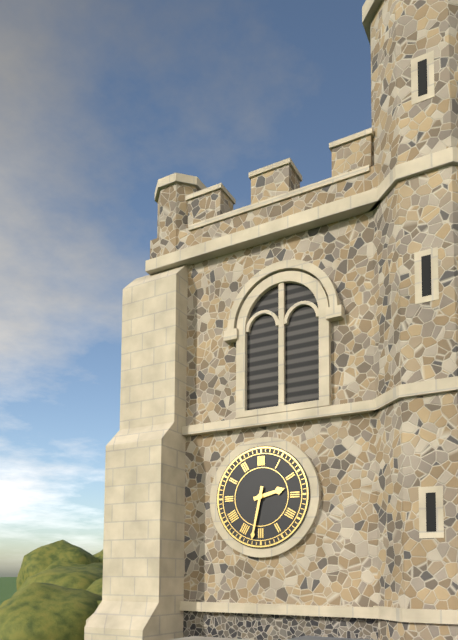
**2:32**
